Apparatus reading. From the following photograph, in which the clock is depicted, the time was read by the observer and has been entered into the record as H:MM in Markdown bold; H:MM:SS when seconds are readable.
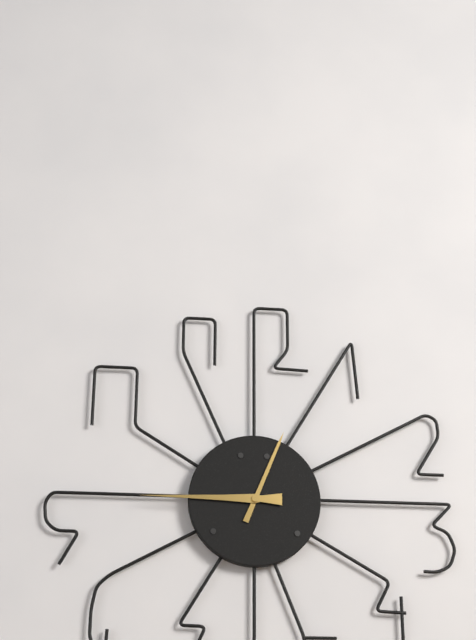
**12:45**
